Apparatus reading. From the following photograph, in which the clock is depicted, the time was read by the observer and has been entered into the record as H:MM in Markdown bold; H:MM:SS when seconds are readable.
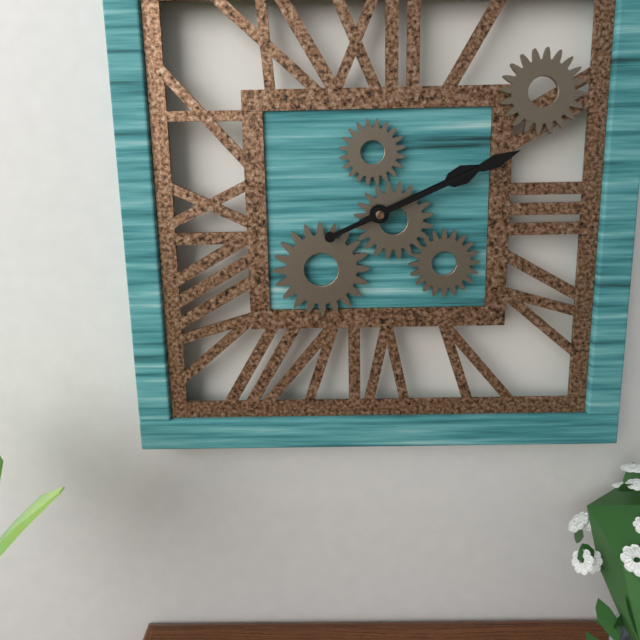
**2:11**
